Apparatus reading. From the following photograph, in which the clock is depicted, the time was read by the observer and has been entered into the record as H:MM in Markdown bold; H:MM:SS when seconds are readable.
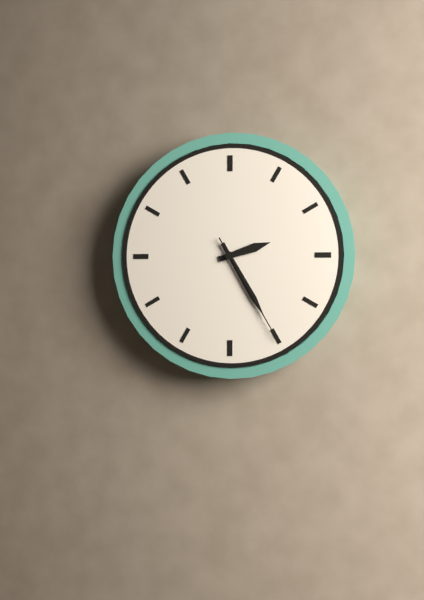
**2:25:25**
